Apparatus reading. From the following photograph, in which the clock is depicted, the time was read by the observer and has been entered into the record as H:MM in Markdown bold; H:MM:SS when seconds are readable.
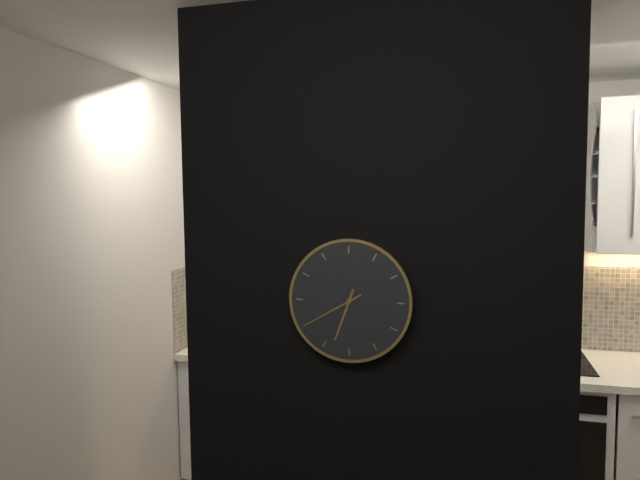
**6:40**
